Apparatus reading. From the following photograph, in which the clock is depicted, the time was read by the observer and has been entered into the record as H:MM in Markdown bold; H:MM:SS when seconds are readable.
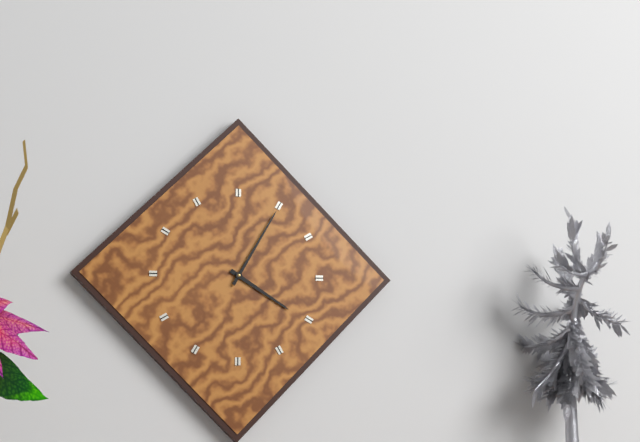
**4:05**
